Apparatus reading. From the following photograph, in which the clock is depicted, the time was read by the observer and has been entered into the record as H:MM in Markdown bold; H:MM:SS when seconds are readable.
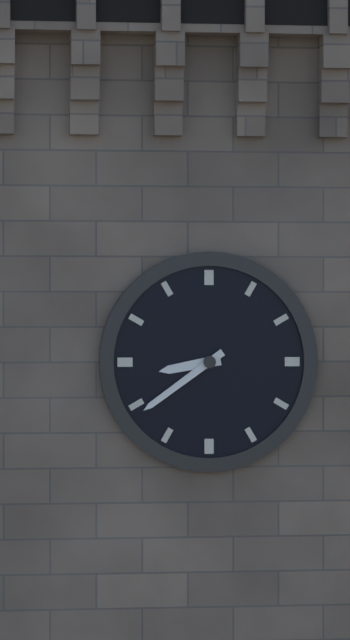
**8:39**
